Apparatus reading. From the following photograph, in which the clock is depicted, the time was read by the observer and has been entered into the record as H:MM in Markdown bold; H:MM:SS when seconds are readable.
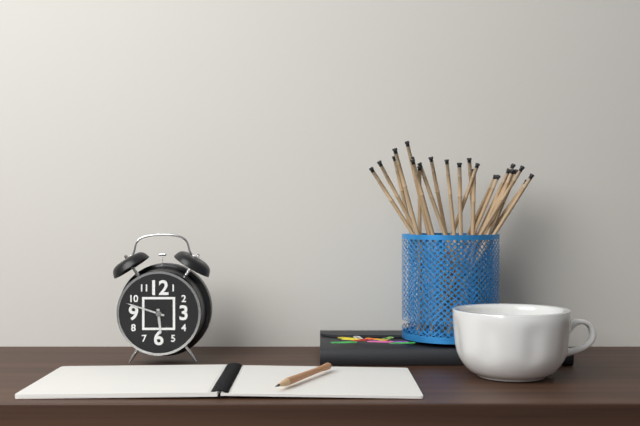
**5:48**
